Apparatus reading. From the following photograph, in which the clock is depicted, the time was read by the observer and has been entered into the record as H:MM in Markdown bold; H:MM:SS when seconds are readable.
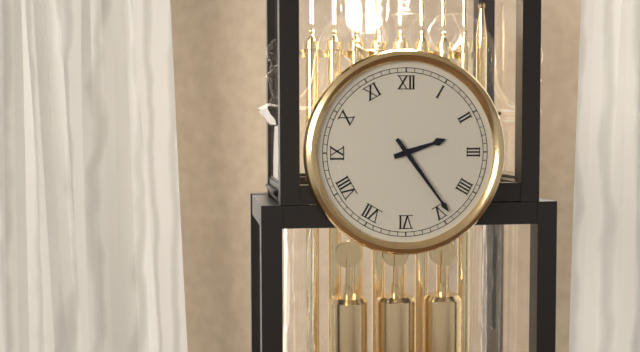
**2:24**
